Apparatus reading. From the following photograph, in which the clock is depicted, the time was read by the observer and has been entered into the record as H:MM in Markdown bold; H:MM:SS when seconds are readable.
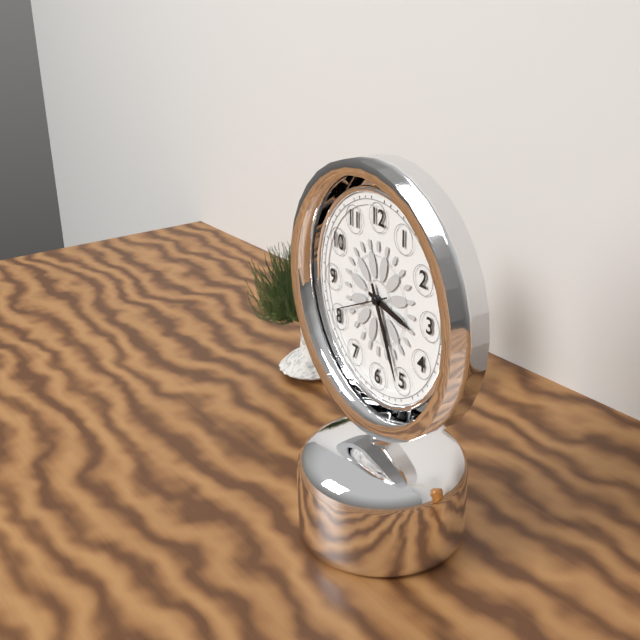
**3:26:41**
